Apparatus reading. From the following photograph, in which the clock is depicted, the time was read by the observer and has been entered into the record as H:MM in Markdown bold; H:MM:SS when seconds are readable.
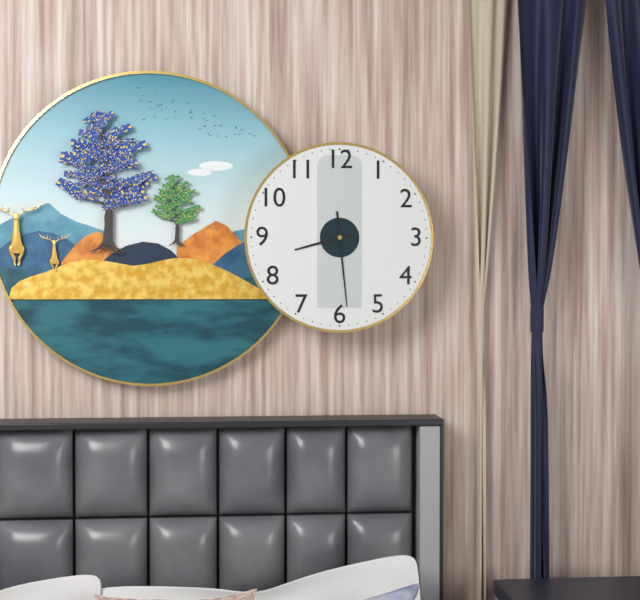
**8:29**
